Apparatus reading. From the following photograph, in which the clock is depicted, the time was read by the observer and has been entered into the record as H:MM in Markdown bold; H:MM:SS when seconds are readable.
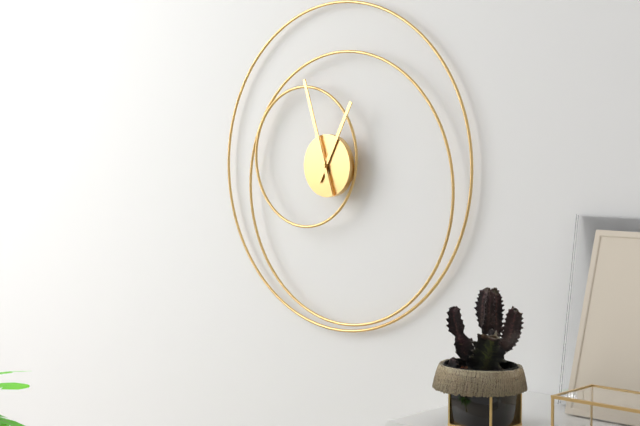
**12:57**
